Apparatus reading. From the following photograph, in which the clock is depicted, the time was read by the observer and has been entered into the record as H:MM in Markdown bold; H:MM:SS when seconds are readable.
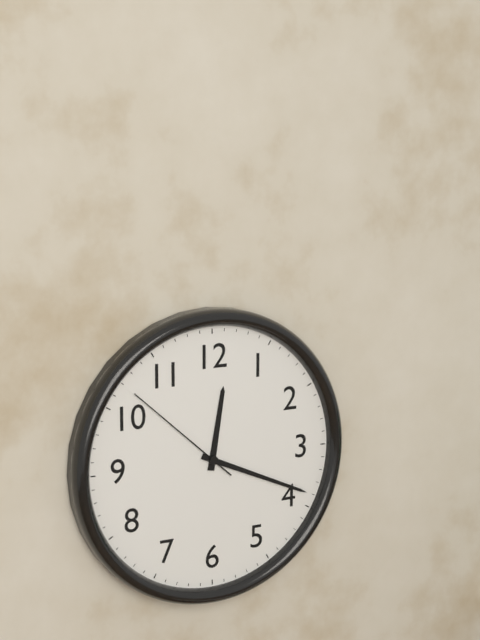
**12:19:52**
